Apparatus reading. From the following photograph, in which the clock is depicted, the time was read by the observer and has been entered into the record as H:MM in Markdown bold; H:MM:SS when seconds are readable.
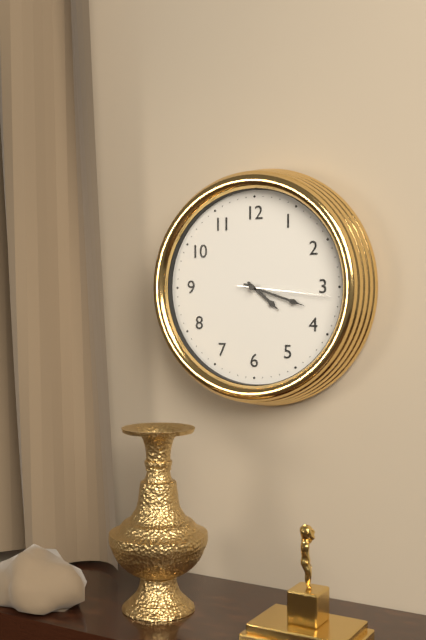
**4:18:16**
